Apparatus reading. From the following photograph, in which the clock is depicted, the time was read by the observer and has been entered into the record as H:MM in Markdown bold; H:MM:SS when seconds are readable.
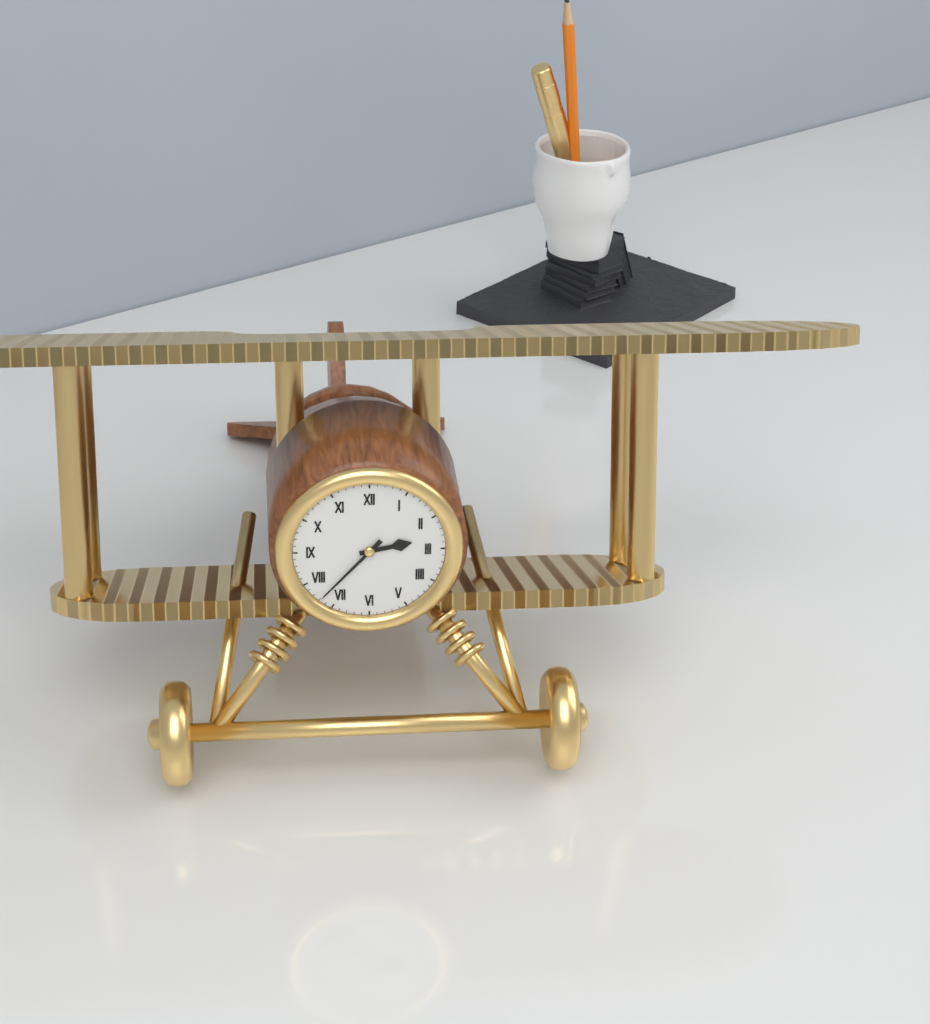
**2:37**
